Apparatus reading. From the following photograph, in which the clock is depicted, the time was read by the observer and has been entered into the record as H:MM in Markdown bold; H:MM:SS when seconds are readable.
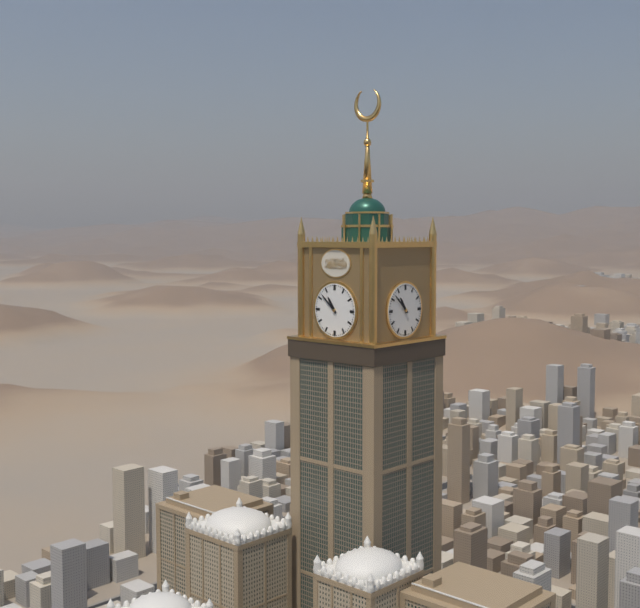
**10:52**
